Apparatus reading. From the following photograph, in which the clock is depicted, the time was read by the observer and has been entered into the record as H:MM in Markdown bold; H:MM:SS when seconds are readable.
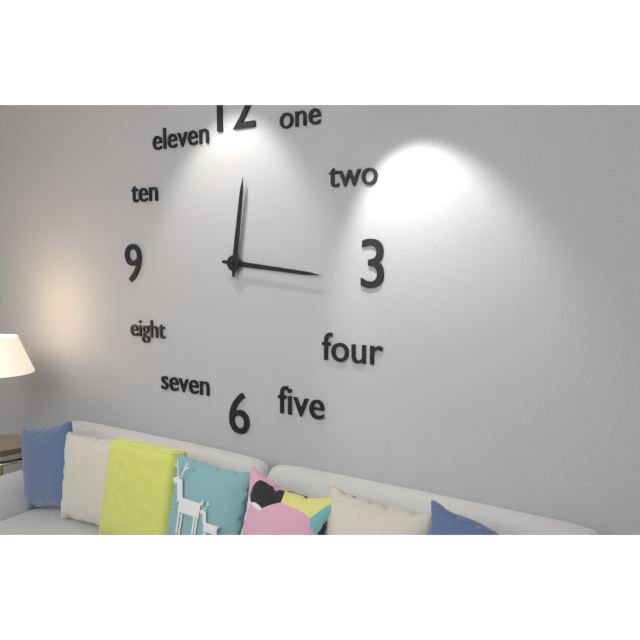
**12:16**
